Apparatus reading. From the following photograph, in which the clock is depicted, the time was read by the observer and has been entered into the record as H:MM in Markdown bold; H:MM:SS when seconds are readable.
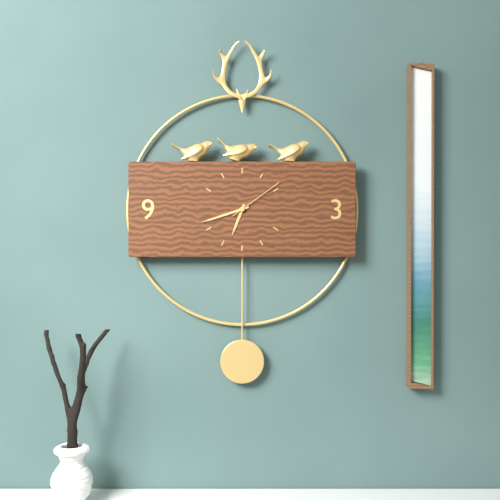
**6:42:09**
